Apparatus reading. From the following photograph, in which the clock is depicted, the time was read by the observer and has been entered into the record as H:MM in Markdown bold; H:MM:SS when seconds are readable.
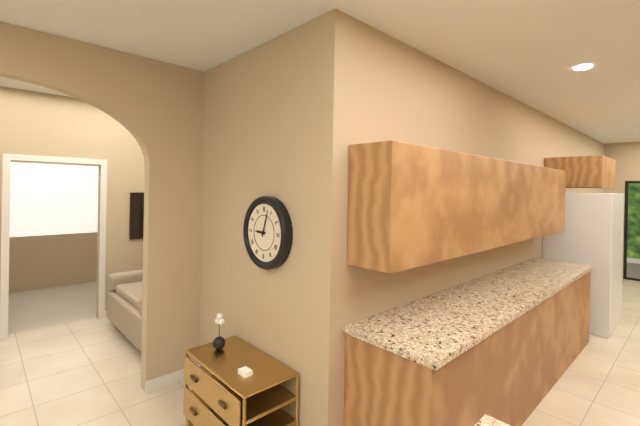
**9:03**
